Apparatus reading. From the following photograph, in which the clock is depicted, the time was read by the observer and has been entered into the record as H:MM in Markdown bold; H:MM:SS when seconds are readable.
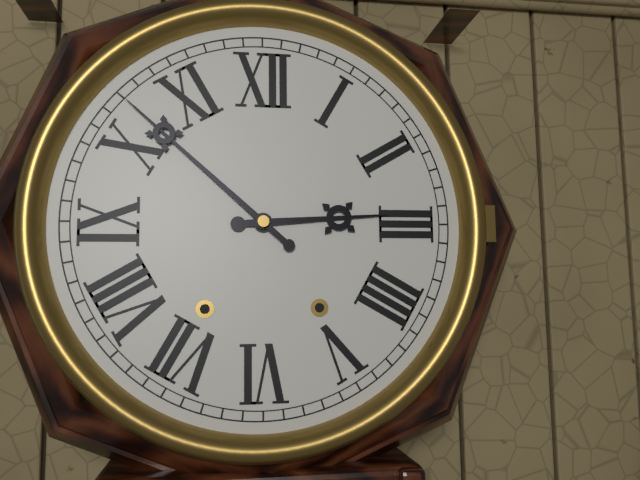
**2:52**
